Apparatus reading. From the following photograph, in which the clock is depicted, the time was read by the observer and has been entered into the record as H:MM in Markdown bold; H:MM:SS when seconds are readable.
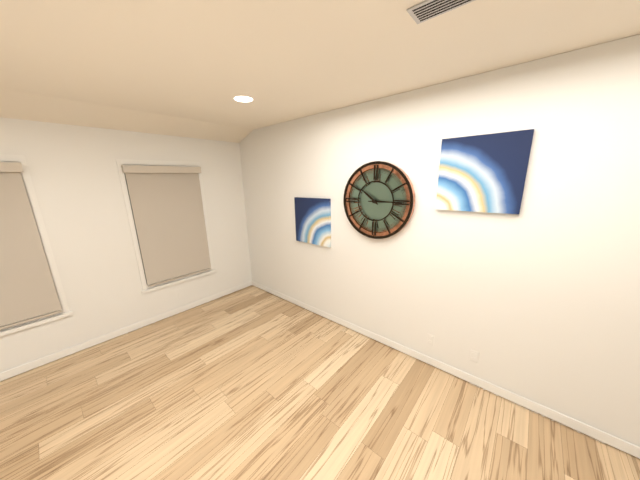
**10:15**
